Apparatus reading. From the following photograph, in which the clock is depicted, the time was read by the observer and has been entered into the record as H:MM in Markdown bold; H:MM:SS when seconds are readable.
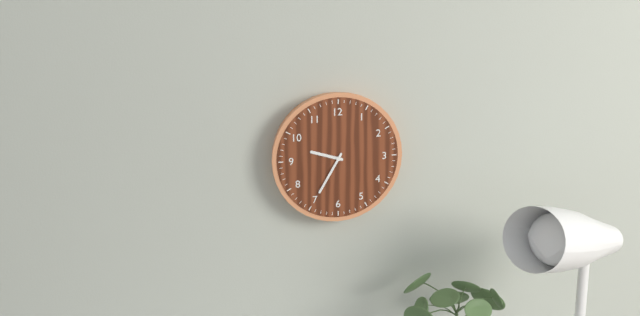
**9:35**
